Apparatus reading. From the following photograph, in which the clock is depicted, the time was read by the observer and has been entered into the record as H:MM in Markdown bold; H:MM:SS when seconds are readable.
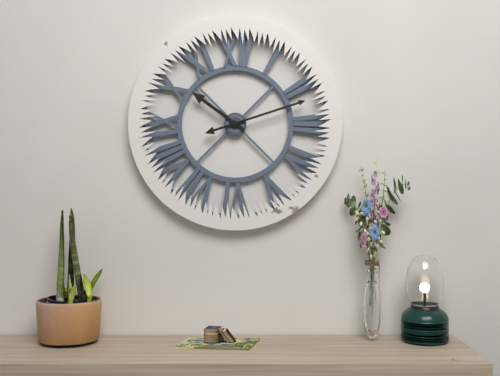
**10:12**
